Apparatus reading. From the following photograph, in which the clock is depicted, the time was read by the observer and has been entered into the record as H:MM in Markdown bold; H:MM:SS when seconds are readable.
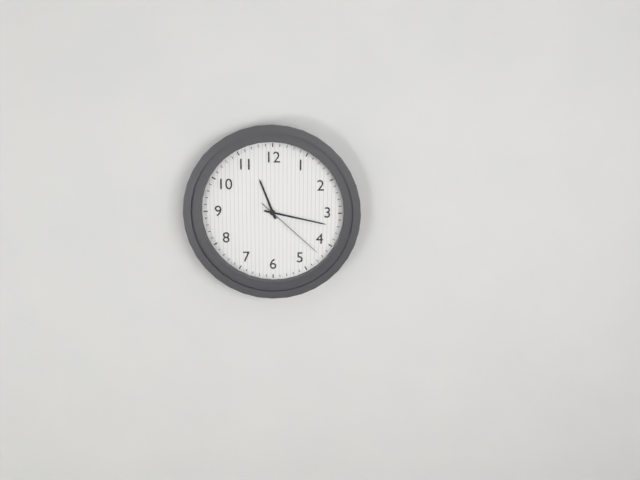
**11:17:22**
